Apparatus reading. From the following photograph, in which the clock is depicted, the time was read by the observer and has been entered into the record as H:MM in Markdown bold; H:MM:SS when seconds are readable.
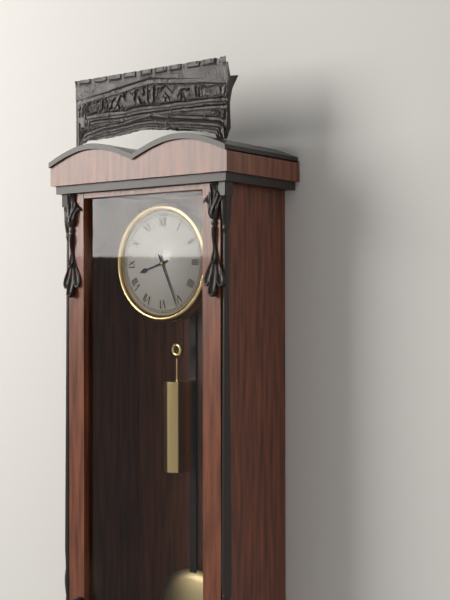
**8:26**
